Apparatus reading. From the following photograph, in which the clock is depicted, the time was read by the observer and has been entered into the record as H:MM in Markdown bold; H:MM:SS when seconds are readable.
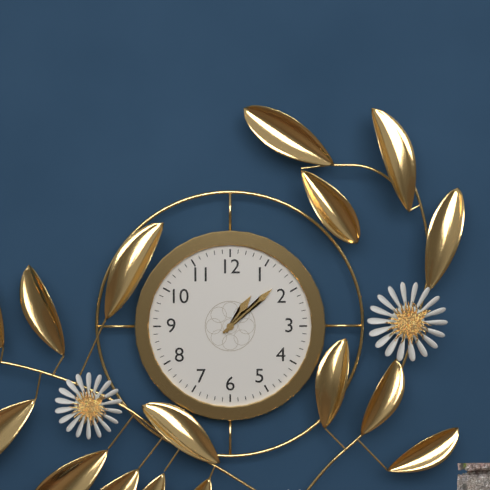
**1:08**
